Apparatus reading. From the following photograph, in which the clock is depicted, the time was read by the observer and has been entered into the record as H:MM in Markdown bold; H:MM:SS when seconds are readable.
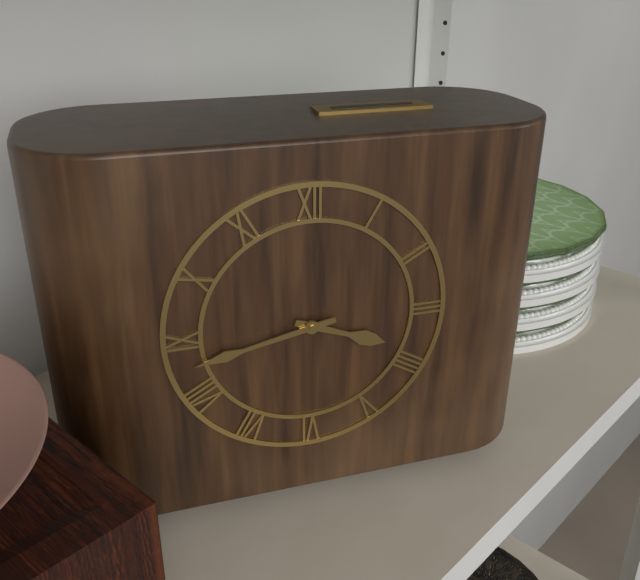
**3:43**
